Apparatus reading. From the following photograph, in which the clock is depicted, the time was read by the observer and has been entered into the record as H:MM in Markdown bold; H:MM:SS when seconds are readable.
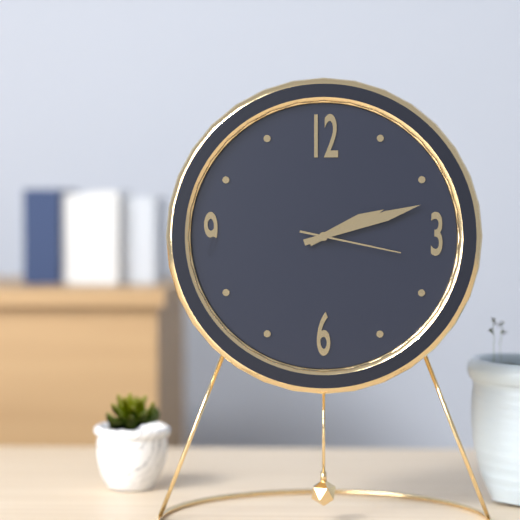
**2:12:17**
